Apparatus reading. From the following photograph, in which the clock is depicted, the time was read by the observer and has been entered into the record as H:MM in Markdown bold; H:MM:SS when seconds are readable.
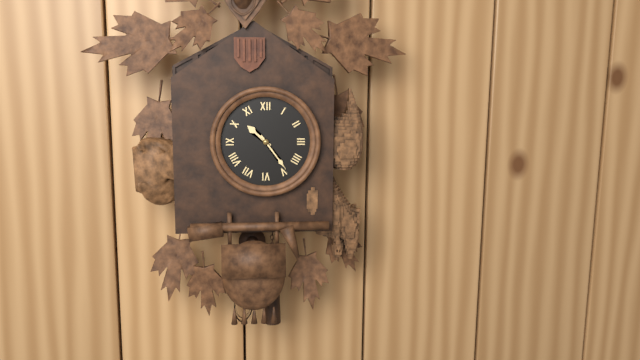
**10:24**
